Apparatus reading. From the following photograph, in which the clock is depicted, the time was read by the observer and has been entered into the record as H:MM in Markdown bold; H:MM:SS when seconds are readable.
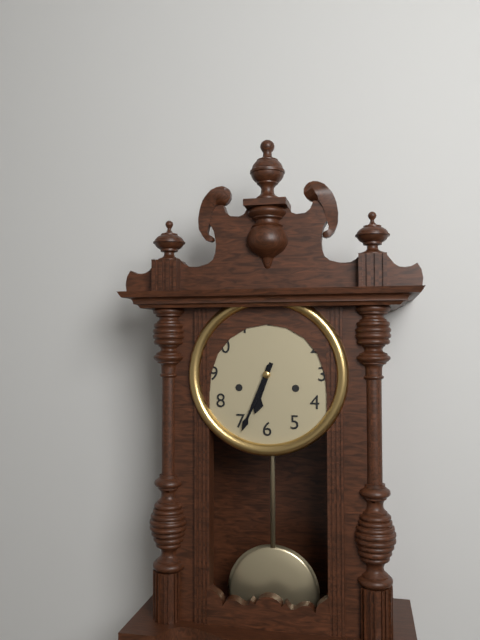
**6:34**
